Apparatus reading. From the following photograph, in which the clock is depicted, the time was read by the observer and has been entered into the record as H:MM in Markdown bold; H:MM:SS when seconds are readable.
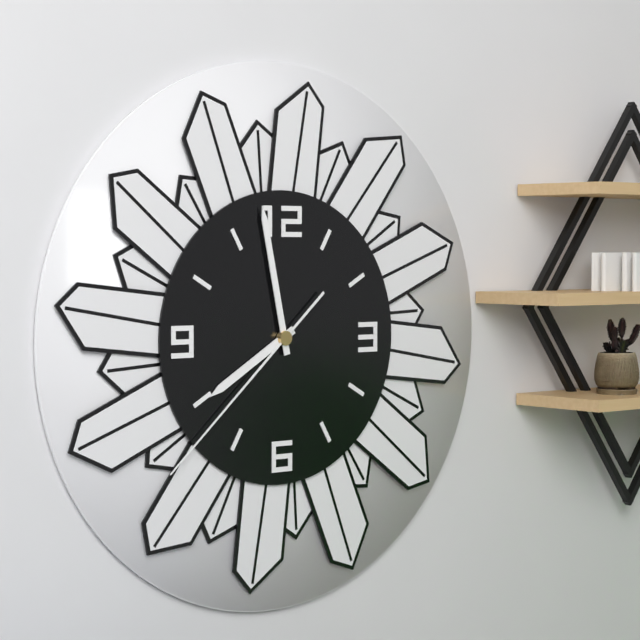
**7:58:38**
